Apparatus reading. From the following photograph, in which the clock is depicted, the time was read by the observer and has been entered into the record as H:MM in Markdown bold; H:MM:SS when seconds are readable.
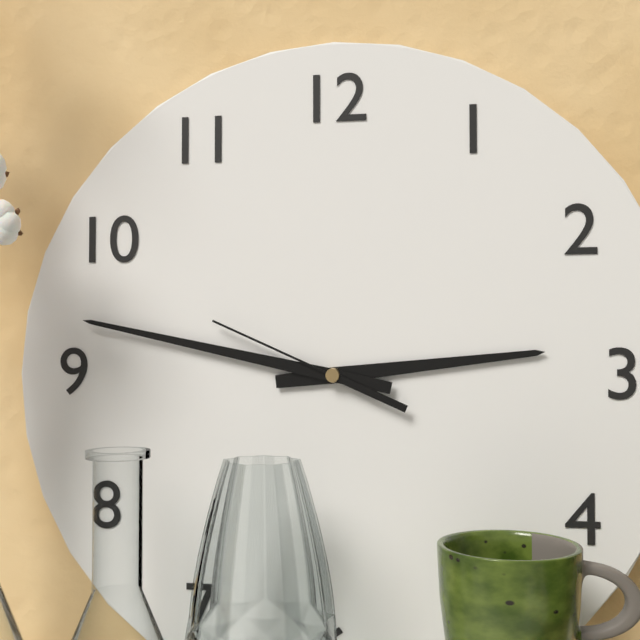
**2:47:49**
